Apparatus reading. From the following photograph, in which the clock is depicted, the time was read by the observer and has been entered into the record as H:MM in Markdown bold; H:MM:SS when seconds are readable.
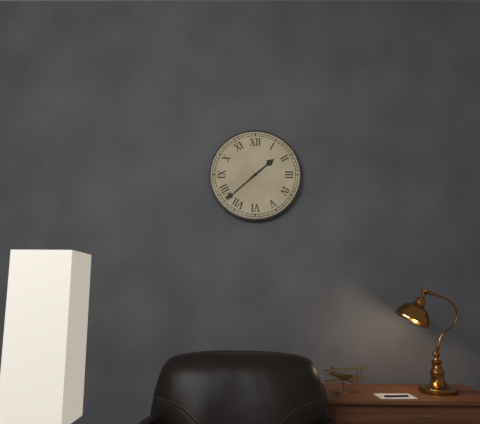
**1:38**
